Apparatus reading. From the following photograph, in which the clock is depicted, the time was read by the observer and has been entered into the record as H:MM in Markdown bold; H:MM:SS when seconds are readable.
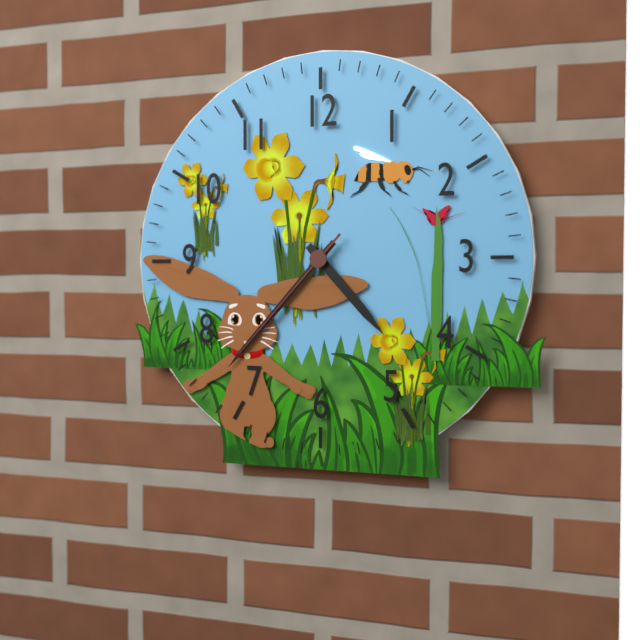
**4:37:37**
